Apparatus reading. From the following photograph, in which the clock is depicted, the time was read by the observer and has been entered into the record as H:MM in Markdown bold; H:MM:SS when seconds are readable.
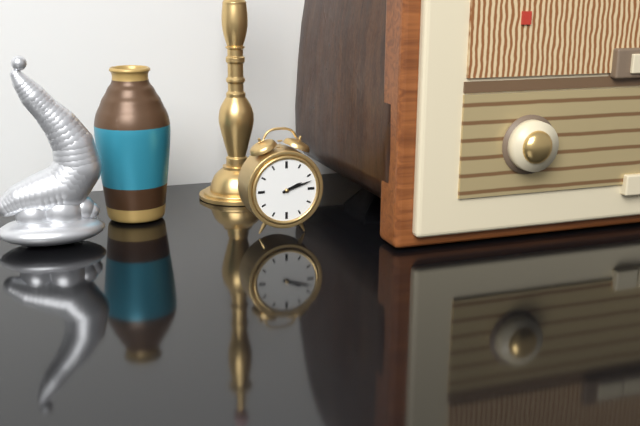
**2:12**
